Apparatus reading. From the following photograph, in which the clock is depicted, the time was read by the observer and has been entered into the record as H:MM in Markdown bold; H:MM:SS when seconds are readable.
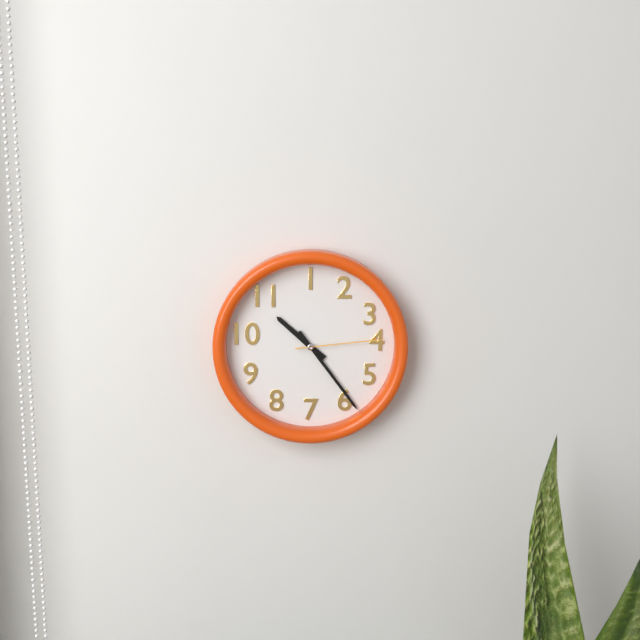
**10:24:14**
